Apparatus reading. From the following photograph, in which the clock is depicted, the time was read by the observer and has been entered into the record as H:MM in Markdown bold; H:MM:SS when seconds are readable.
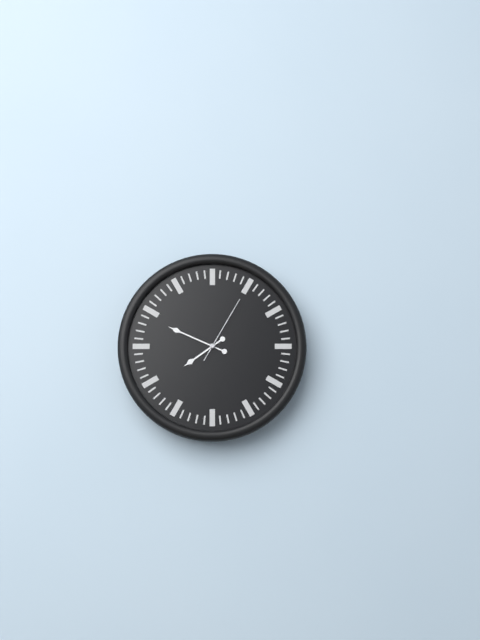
**7:49:05**
